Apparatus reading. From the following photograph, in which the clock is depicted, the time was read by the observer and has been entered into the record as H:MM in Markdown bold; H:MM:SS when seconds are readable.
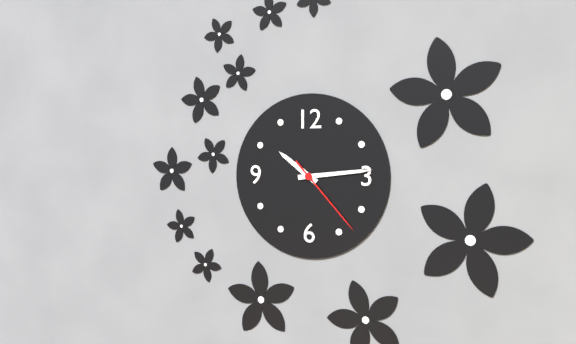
**10:14:23**
